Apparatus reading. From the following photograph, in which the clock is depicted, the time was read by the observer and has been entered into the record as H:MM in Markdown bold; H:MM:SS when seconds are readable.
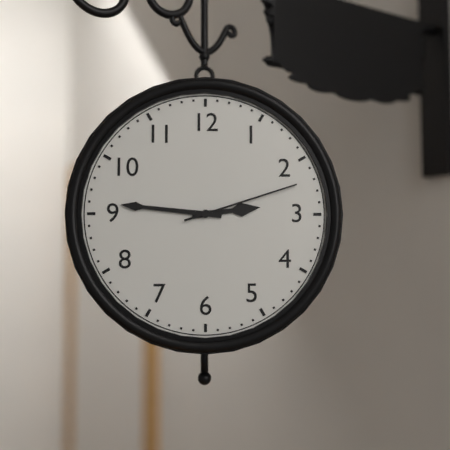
**2:46:12**
